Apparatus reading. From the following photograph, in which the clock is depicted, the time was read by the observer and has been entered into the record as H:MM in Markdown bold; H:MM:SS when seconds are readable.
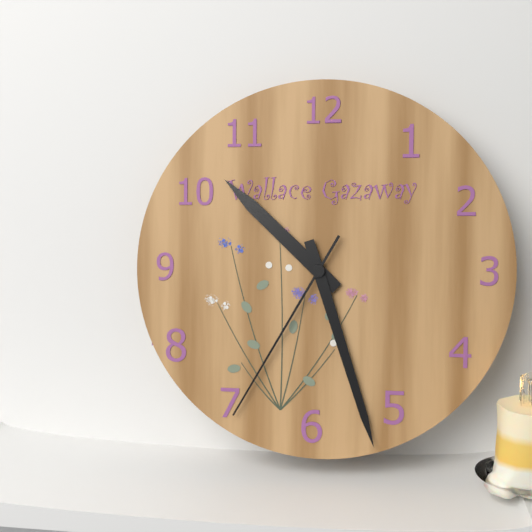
**10:27:35**
